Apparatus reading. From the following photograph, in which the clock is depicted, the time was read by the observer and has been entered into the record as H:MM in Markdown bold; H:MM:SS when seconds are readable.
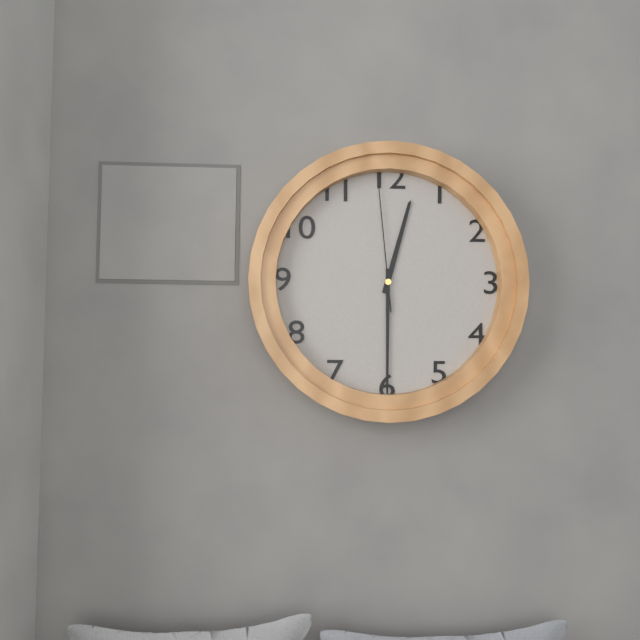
**12:30:59**
